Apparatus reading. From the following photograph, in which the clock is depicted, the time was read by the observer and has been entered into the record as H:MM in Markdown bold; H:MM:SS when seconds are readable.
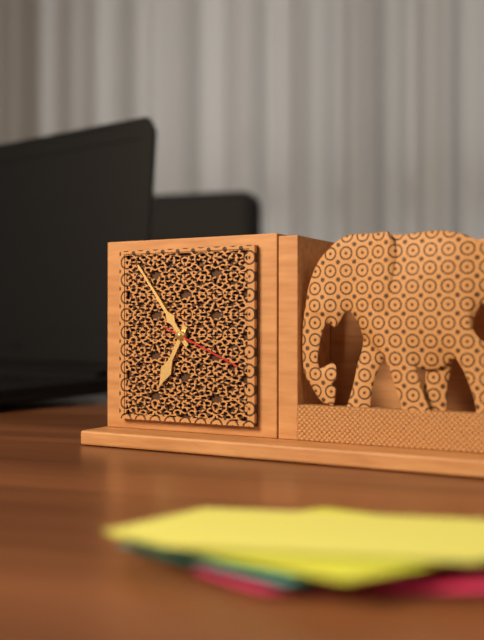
**6:54:19**
